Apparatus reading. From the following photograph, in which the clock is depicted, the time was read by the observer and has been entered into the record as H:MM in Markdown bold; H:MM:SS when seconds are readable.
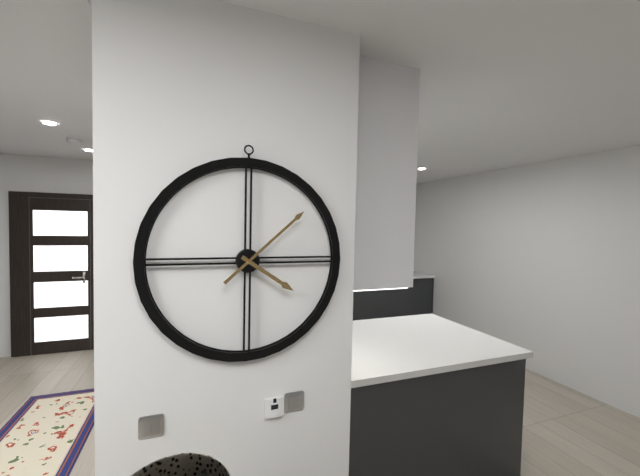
**4:08**
